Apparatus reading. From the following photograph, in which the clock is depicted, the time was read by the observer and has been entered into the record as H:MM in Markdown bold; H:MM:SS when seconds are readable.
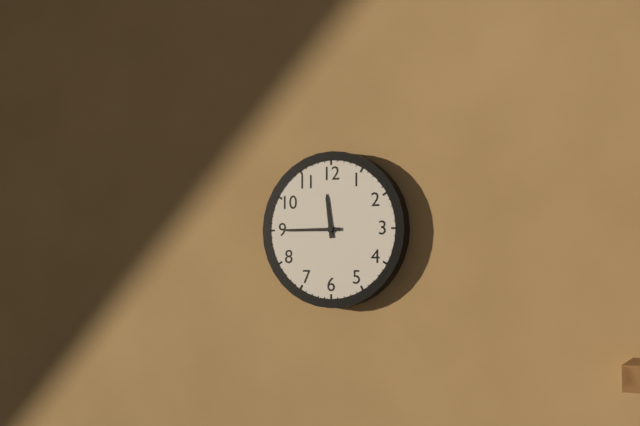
**11:45**
